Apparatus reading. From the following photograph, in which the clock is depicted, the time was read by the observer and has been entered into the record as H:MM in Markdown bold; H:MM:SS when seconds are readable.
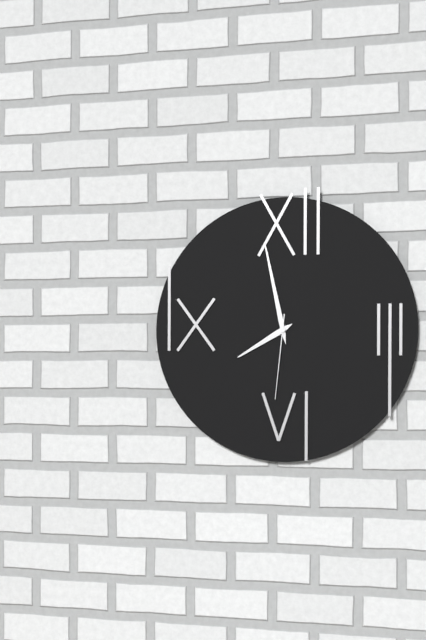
**7:58:31**
